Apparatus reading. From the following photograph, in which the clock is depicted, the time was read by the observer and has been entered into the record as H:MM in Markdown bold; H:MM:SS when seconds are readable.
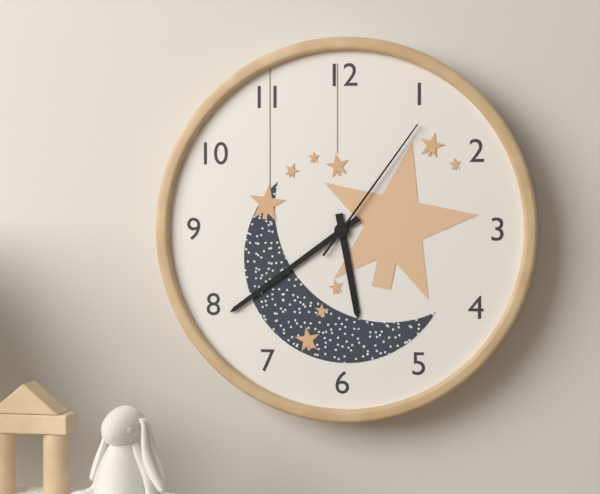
**5:39:06**
